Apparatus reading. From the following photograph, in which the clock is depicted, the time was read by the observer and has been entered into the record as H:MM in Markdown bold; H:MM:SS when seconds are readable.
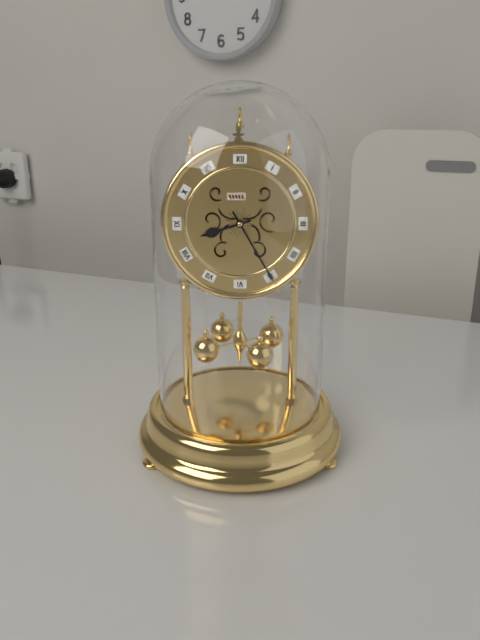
**8:25**
